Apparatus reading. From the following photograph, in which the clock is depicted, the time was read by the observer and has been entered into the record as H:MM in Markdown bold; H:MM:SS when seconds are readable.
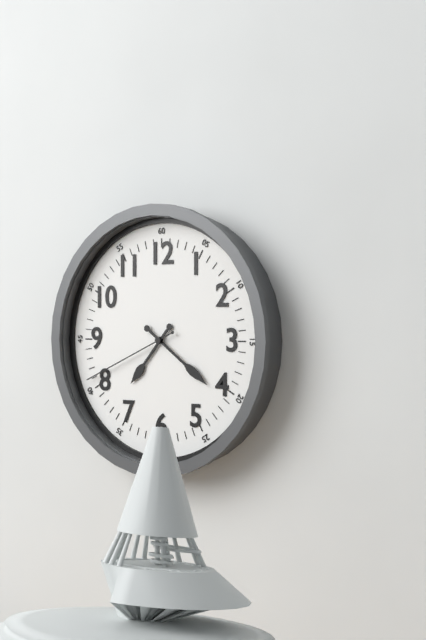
**7:21:41**
